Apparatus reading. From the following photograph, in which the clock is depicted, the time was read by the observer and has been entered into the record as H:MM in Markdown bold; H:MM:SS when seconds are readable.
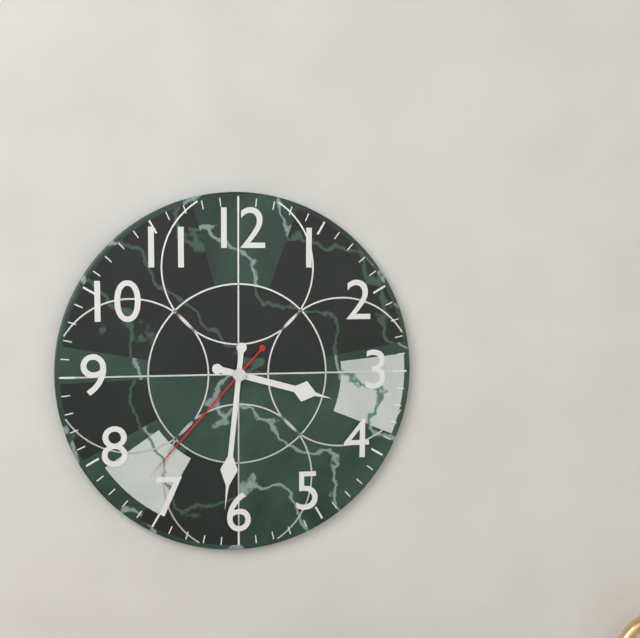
**3:31:37**
